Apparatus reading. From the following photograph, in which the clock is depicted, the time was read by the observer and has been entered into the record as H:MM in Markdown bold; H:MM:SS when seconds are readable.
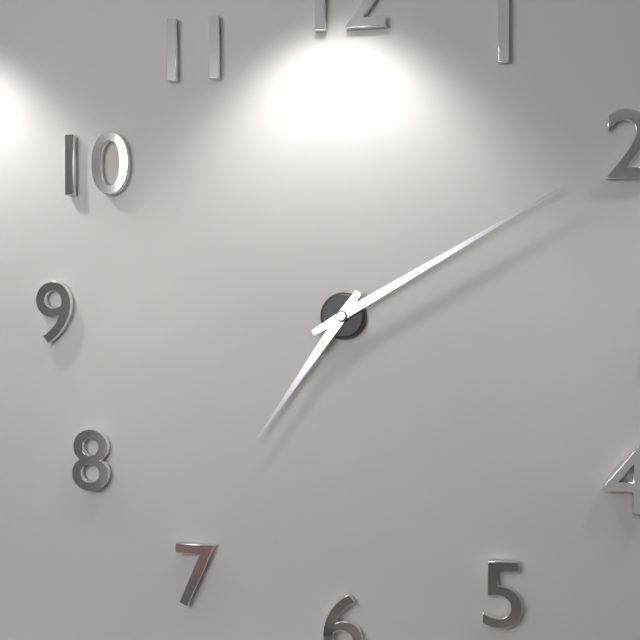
**7:10**
